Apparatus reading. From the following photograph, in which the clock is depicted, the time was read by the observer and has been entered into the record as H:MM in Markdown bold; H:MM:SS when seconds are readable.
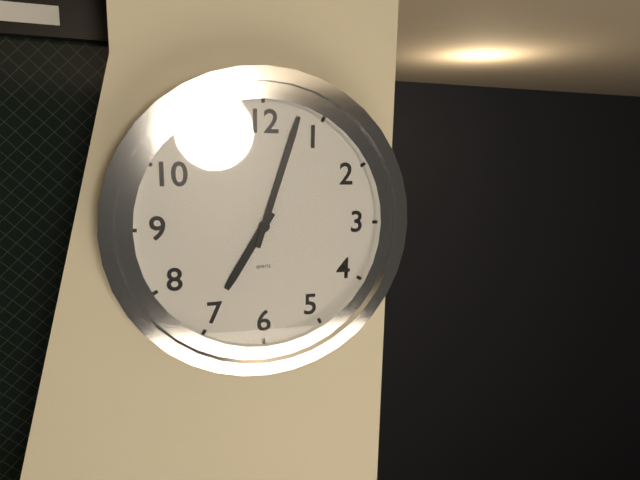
**7:03**
